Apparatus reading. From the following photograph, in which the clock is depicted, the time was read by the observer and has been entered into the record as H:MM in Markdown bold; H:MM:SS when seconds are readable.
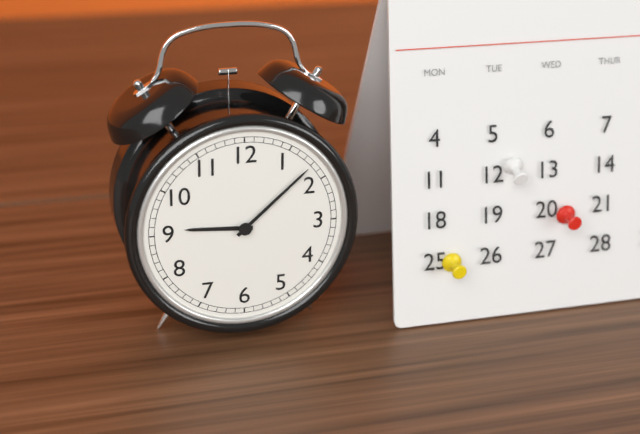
**9:08**
